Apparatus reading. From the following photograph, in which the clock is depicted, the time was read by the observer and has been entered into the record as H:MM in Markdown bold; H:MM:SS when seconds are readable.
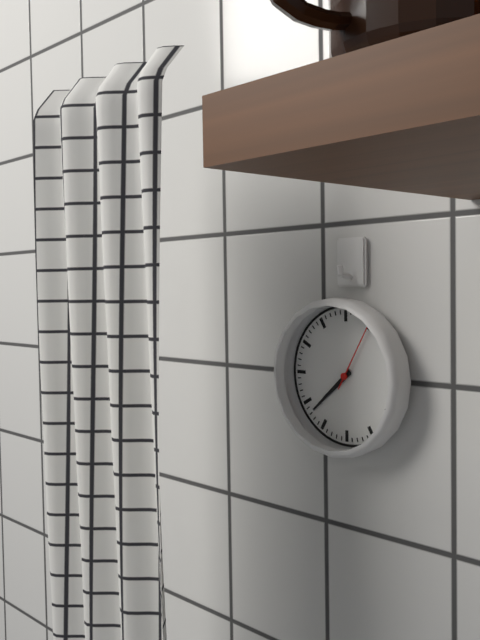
**7:38:05**
